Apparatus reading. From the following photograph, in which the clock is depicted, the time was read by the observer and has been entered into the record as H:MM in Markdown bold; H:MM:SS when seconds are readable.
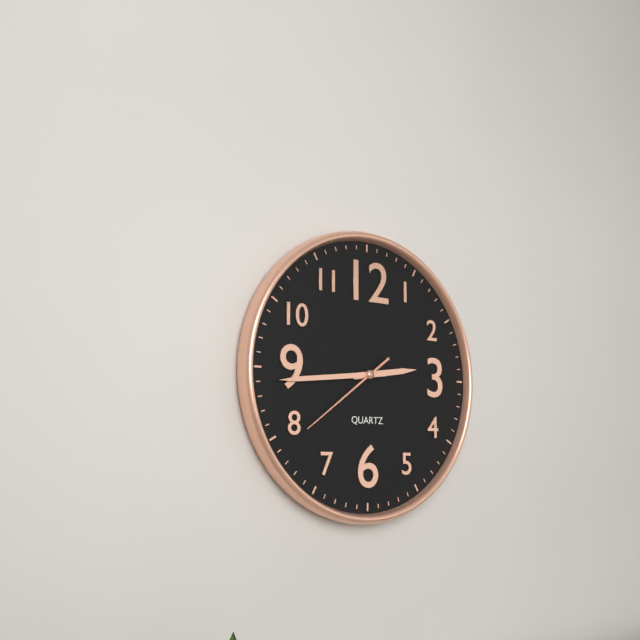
**2:44:39**
